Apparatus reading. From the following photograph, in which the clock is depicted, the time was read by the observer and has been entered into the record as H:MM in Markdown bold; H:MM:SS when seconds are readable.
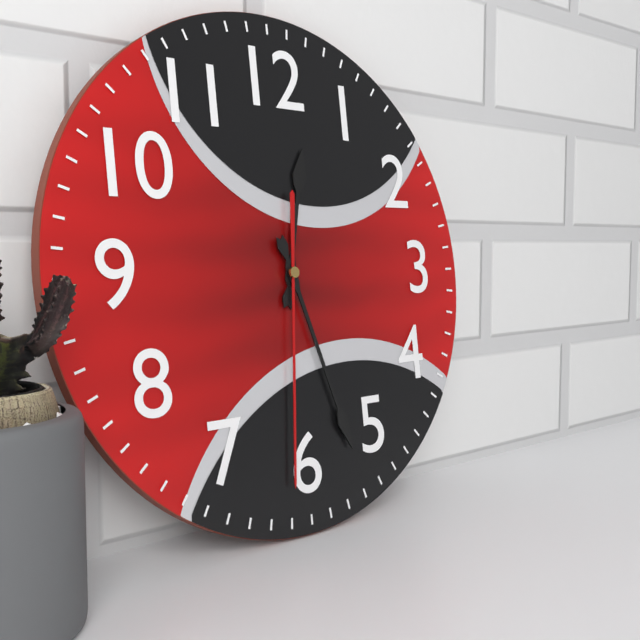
**12:27:31**
